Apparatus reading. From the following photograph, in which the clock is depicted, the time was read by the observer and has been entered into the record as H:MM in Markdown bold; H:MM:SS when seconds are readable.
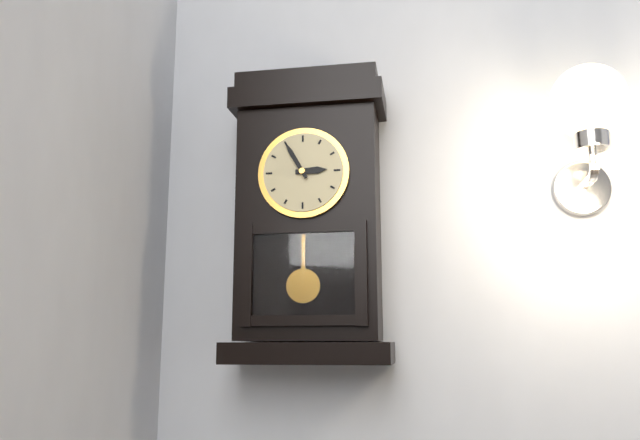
**2:55**
